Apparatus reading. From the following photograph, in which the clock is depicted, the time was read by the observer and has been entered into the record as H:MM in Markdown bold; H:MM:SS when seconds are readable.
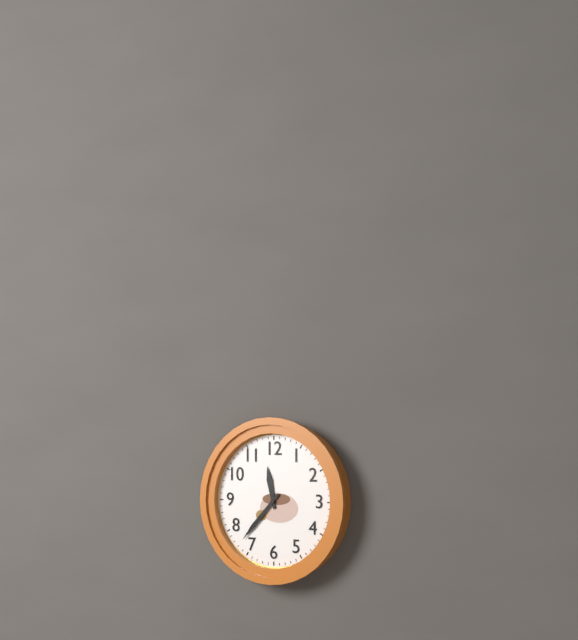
**11:37**
